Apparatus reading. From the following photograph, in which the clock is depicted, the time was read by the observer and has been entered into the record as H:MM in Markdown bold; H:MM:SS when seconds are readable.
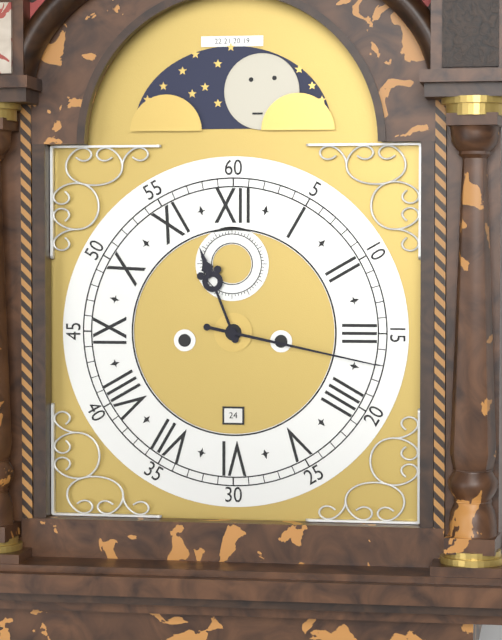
**11:17**
